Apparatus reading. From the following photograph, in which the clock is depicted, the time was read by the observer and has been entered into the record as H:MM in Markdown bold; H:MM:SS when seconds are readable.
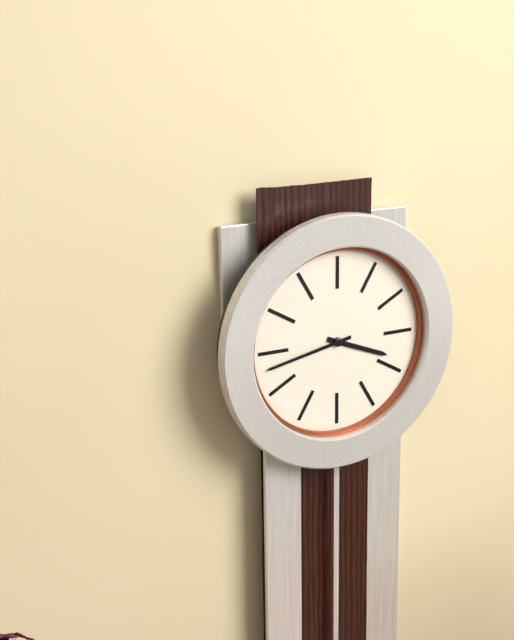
**3:43**
